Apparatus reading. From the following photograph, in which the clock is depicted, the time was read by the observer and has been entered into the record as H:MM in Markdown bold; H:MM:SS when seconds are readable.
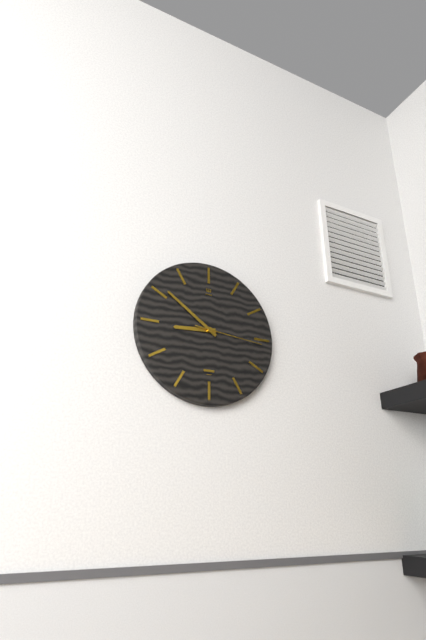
**8:51:16**
